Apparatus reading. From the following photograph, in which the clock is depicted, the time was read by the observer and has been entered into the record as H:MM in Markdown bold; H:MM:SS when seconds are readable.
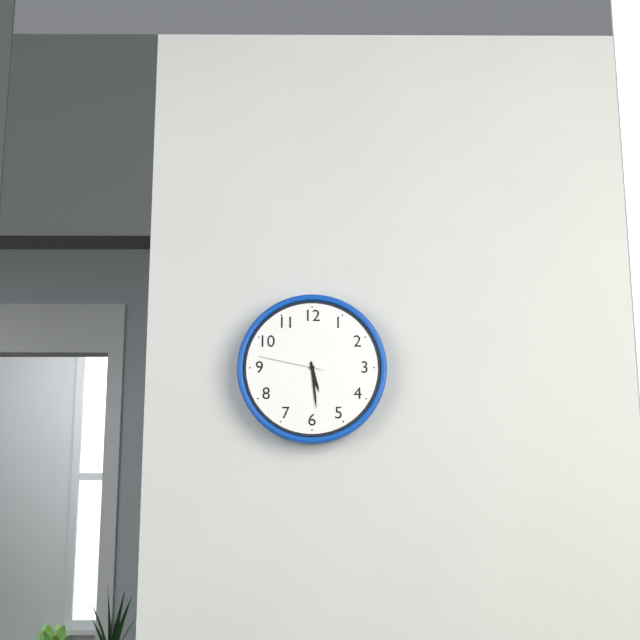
**5:29:47**
